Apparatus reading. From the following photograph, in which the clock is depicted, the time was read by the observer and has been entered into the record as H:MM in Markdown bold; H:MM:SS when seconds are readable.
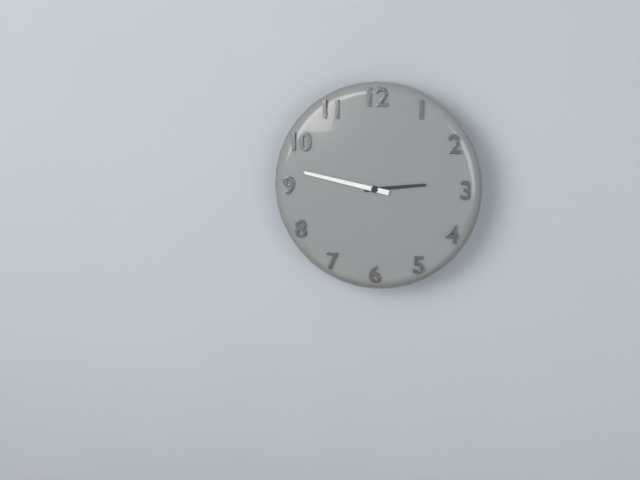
**2:47**
